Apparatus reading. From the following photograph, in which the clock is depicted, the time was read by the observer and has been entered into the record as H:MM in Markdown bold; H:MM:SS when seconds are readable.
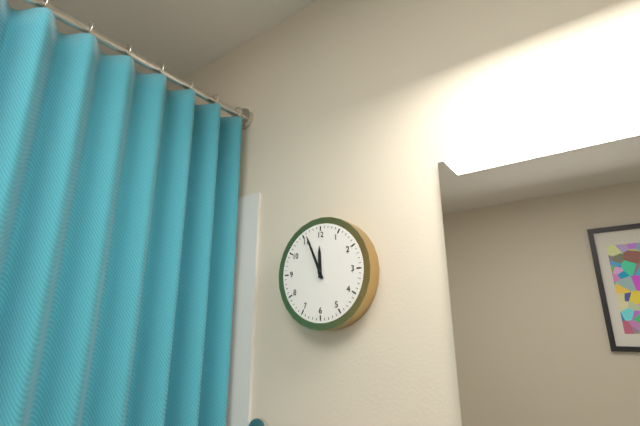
**11:56**
